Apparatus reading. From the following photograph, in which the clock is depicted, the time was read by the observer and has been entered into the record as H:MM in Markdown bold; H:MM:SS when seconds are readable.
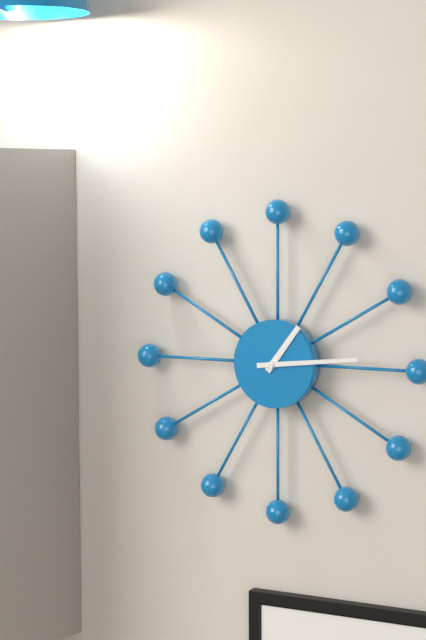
**1:14**
